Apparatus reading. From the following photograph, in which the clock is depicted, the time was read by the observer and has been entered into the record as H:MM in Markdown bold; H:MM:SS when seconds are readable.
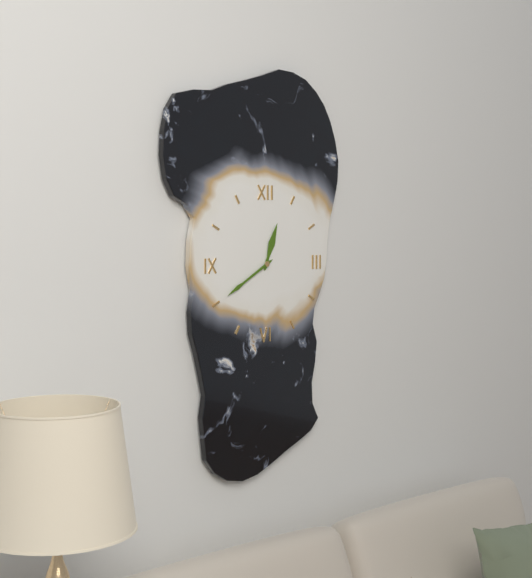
**12:40**
